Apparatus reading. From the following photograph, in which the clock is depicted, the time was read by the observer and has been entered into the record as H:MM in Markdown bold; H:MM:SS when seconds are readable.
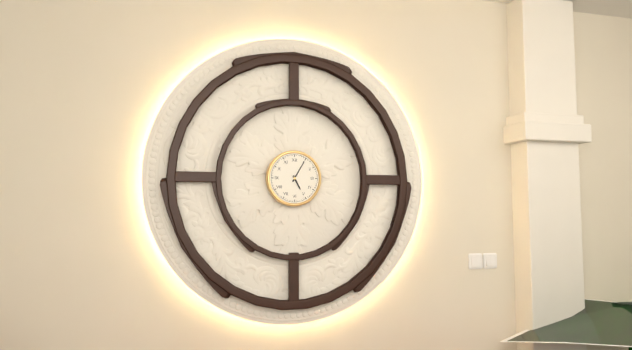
**5:05**
